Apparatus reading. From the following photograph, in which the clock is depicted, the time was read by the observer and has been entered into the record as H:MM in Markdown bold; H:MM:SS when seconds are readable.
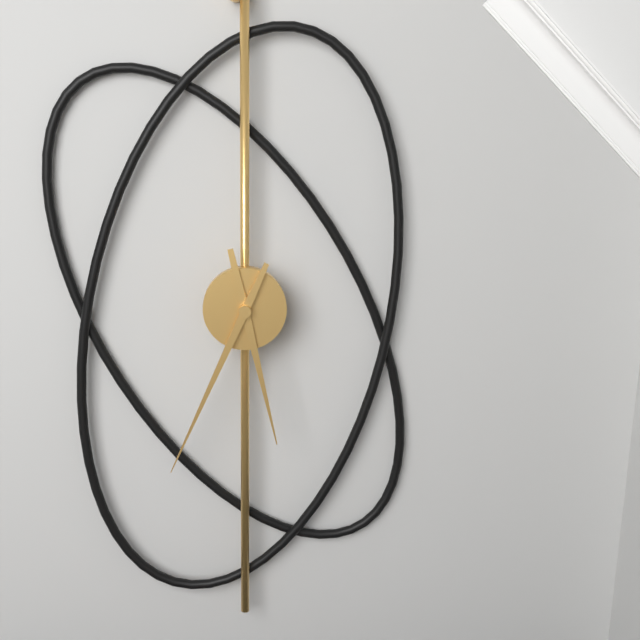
**5:34**
